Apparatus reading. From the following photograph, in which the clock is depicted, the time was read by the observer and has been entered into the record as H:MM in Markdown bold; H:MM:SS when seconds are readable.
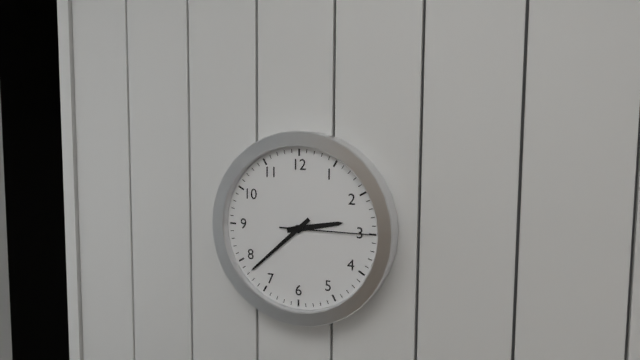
**2:38:15**
